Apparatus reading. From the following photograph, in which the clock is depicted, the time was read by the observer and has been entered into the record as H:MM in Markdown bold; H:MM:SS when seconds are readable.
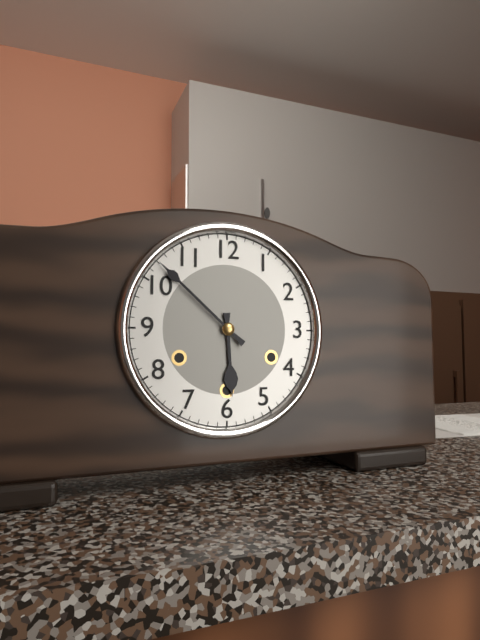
**5:52**
